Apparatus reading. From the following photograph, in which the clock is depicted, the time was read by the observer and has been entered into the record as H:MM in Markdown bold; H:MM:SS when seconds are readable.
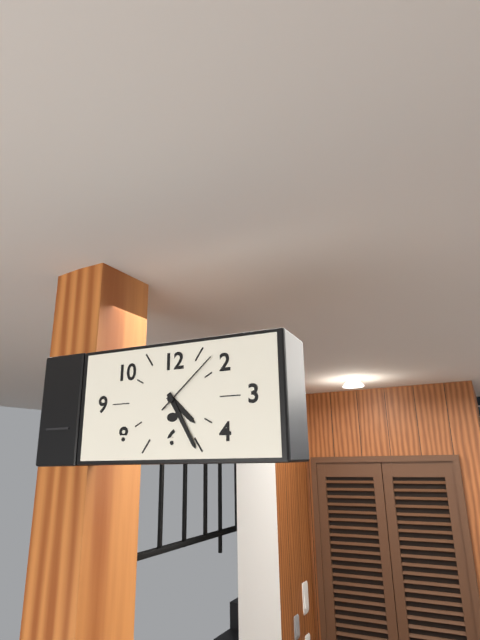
**4:25:08**
